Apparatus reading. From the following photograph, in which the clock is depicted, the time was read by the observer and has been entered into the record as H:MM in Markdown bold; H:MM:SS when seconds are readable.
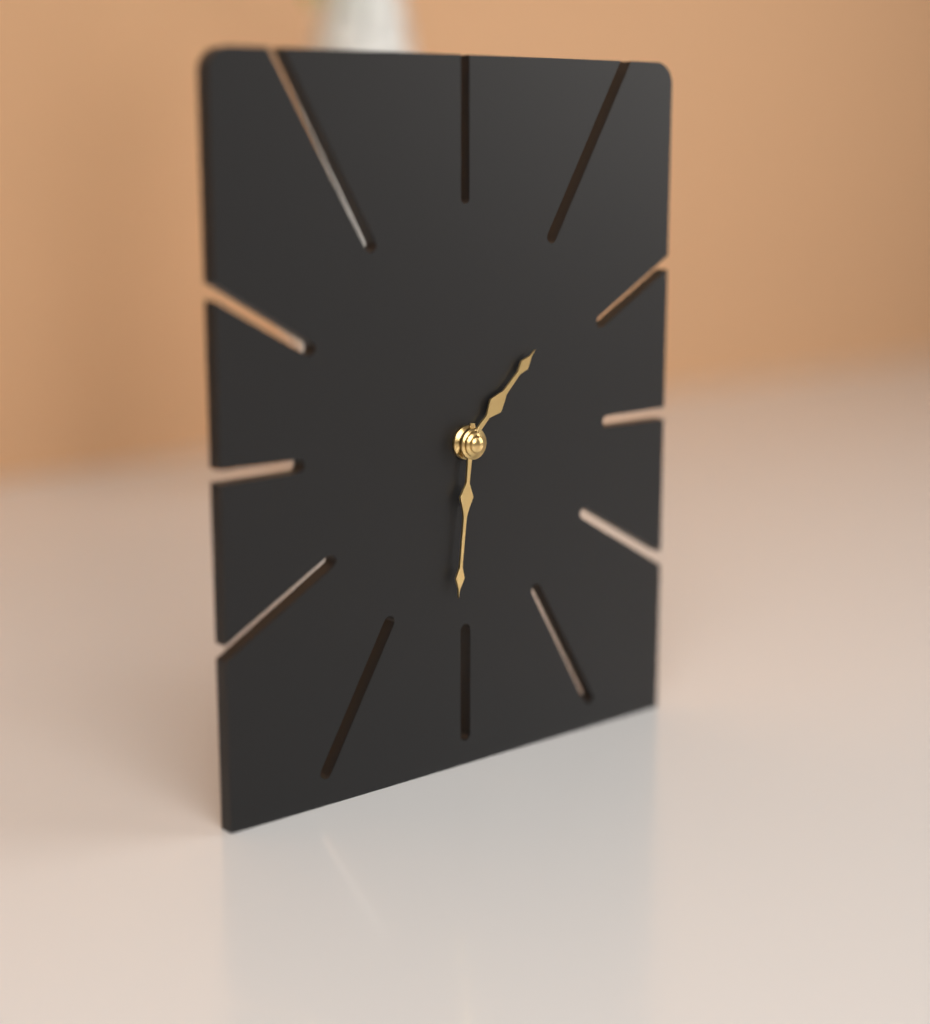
**1:31**
